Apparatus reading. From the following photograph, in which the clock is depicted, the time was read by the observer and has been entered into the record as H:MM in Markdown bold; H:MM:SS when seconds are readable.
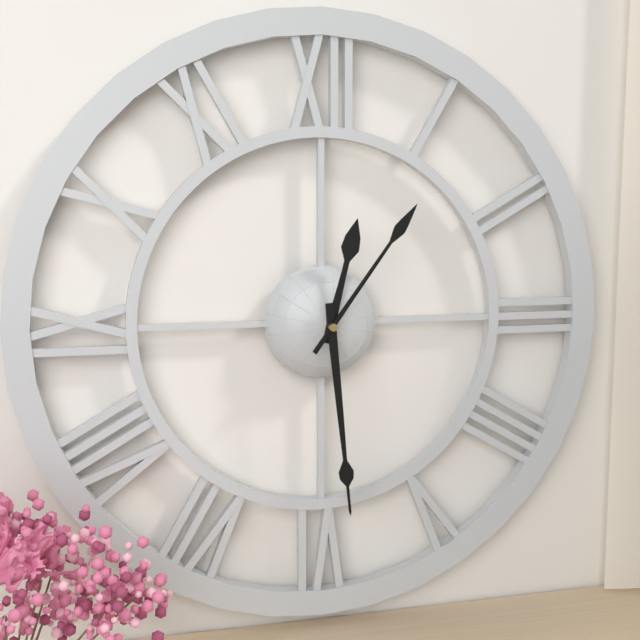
**12:29:06**
